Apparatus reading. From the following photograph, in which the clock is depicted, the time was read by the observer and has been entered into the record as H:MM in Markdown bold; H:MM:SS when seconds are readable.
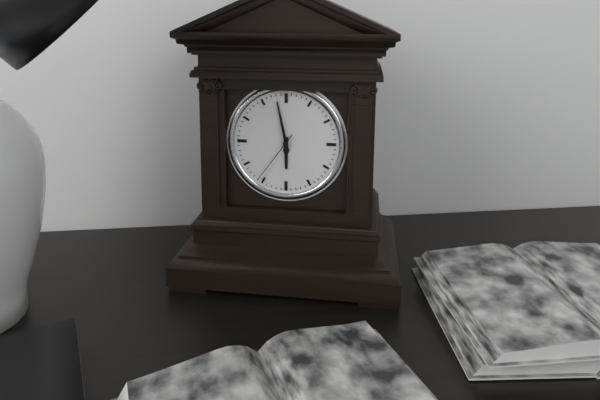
**5:58:36**
